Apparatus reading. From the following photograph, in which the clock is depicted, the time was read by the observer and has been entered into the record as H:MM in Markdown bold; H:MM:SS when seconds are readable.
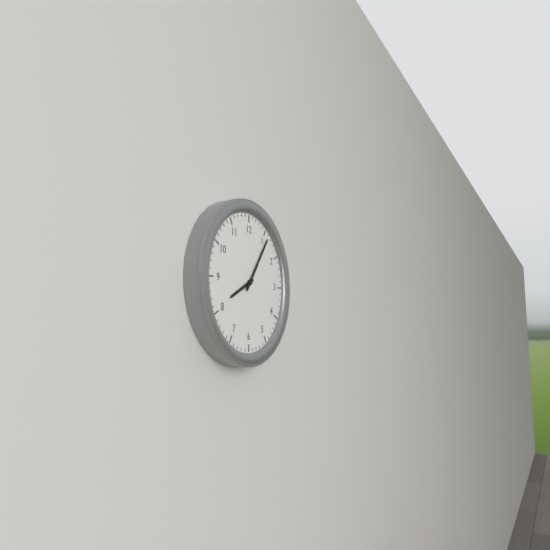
**8:06**
